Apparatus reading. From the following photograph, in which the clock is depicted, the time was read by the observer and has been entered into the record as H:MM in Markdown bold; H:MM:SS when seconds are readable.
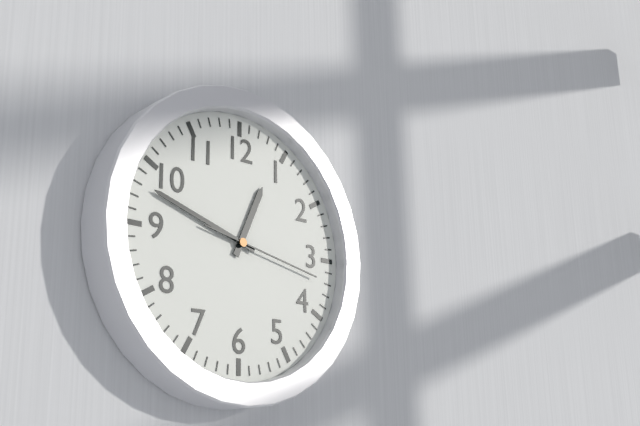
**12:48:17**
